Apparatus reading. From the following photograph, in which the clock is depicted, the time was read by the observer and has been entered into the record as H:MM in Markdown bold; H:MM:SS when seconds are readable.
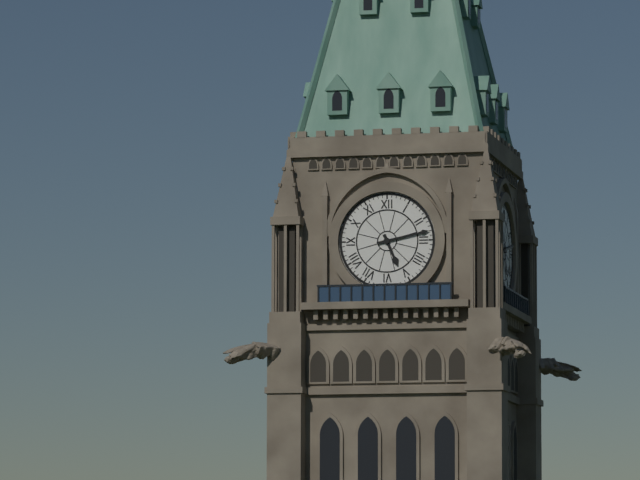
**5:13**
